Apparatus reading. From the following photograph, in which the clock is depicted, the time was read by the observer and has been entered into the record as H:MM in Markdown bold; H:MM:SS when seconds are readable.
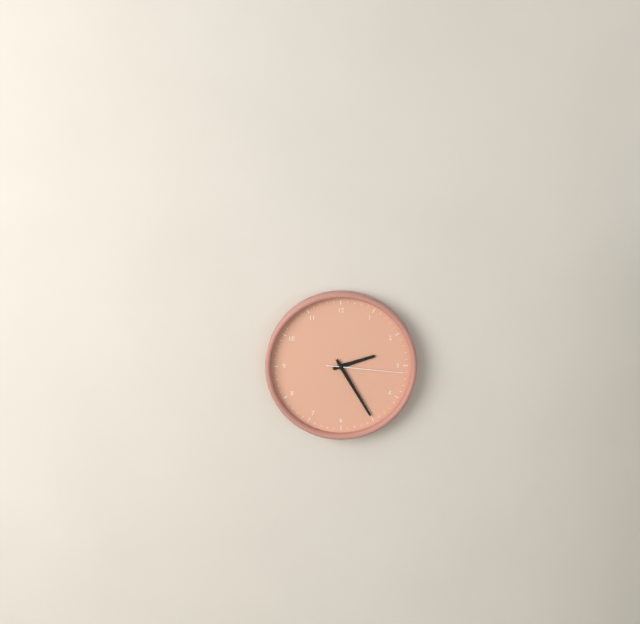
**2:25:16**
